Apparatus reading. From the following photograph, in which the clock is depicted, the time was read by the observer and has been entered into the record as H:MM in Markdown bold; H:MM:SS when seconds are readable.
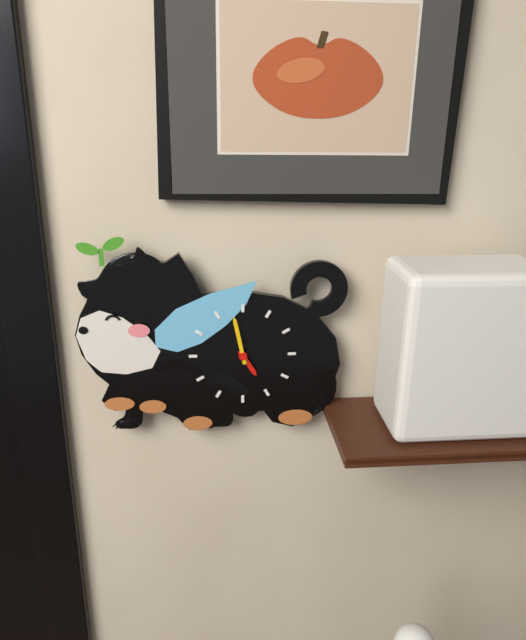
**4:58**
